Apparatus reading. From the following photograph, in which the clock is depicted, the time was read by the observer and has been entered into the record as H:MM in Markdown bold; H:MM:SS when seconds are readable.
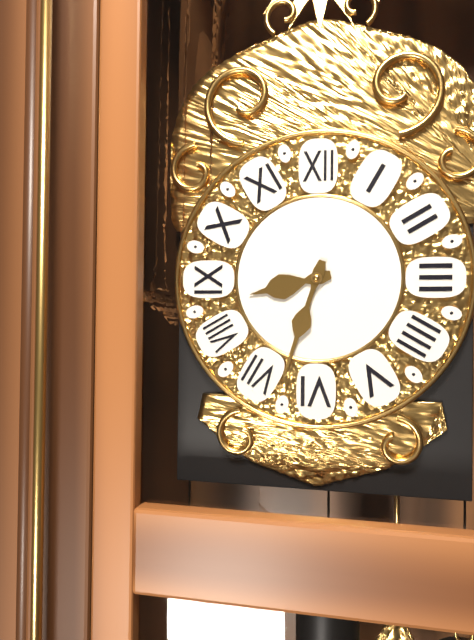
**8:33**
